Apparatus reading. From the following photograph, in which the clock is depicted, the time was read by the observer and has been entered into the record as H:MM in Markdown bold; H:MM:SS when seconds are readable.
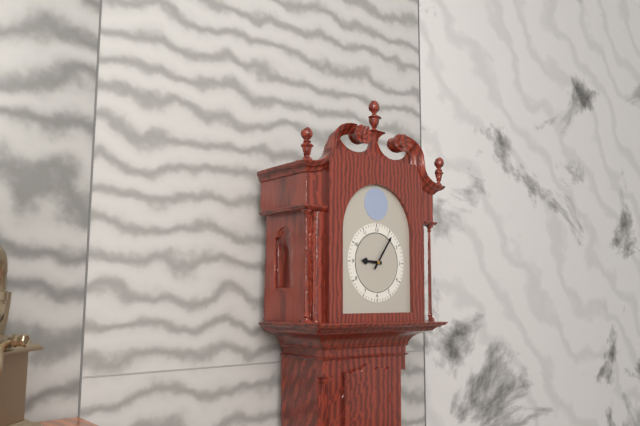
**9:06**
